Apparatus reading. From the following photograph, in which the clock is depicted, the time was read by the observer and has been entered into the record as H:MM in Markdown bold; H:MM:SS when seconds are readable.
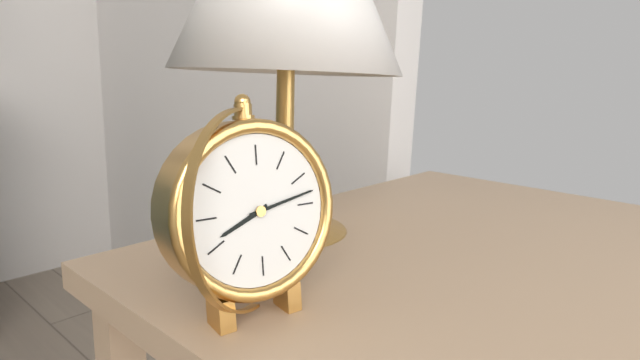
**8:13**
